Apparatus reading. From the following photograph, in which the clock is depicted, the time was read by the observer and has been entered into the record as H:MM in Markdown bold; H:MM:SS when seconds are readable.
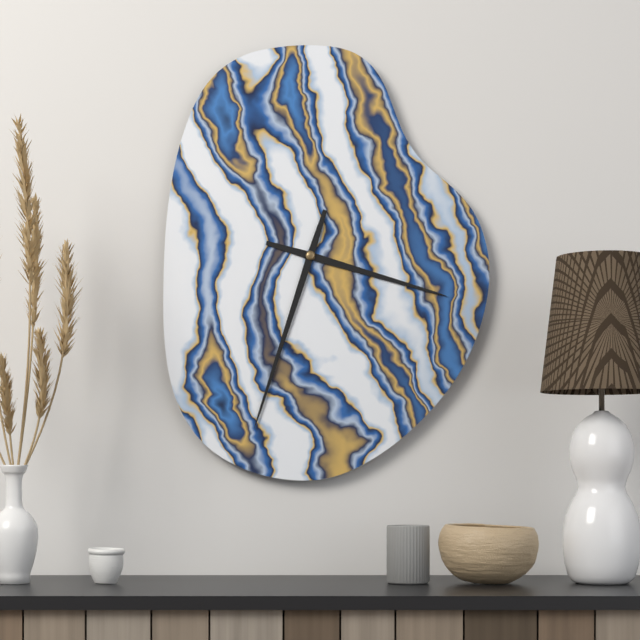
**3:33**
